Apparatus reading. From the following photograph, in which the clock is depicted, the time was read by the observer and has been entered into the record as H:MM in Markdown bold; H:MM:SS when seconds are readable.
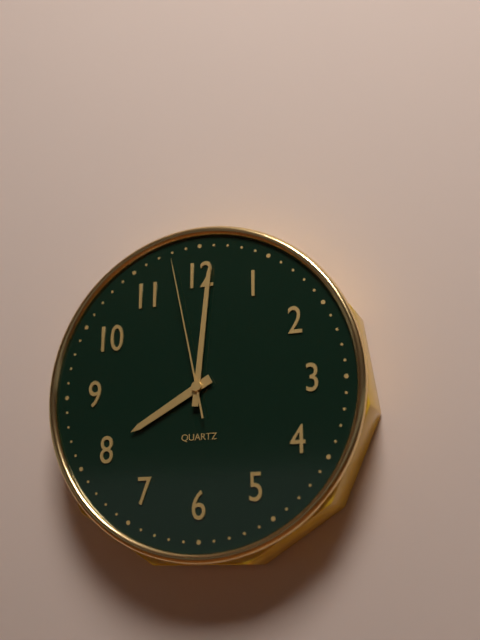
**8:01:58**
